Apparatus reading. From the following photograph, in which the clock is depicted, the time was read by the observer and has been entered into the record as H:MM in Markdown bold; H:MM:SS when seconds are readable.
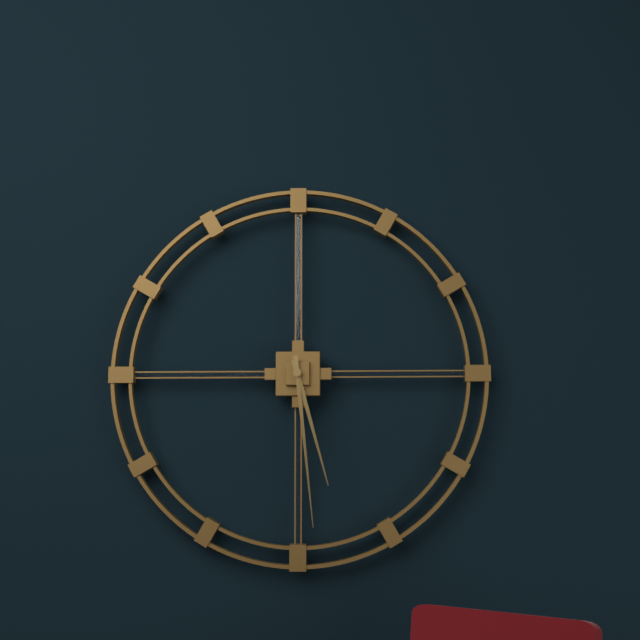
**5:29**
